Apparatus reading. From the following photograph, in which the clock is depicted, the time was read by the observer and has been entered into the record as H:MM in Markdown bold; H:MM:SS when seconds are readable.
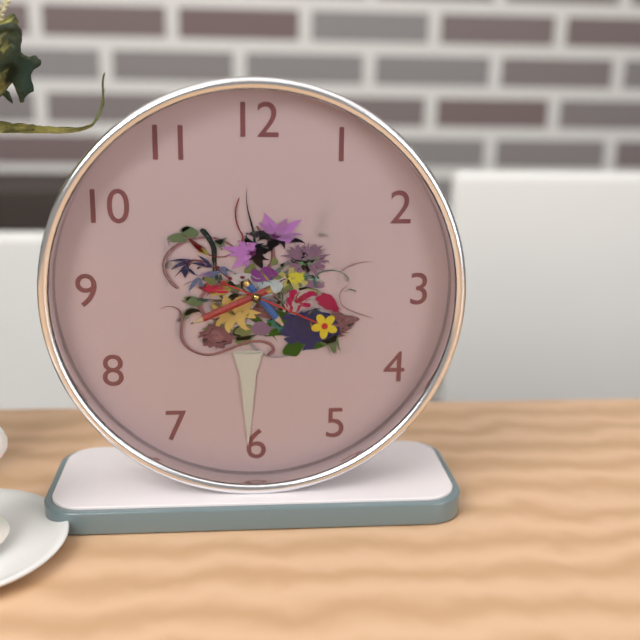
**4:41:19**
